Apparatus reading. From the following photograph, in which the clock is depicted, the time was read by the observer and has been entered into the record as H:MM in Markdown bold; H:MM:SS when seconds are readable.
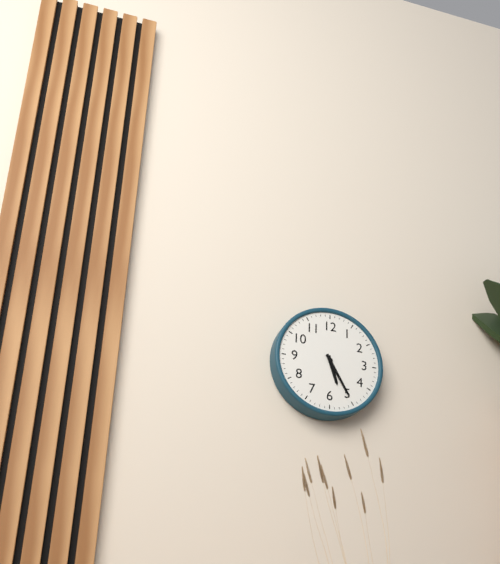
**5:25**
